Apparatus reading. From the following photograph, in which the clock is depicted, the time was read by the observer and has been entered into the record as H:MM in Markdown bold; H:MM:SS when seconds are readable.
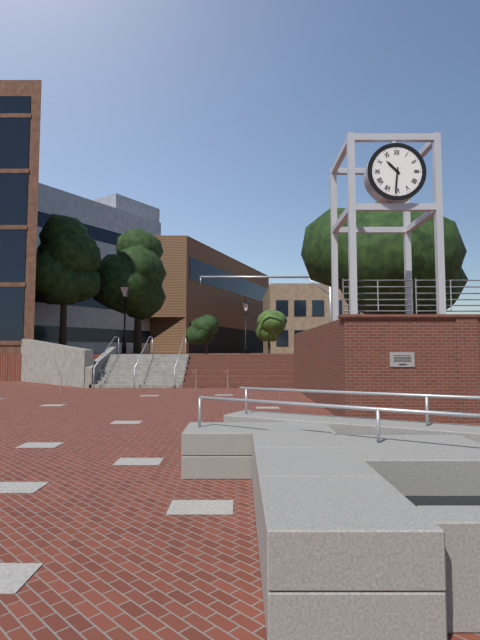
**10:31**
